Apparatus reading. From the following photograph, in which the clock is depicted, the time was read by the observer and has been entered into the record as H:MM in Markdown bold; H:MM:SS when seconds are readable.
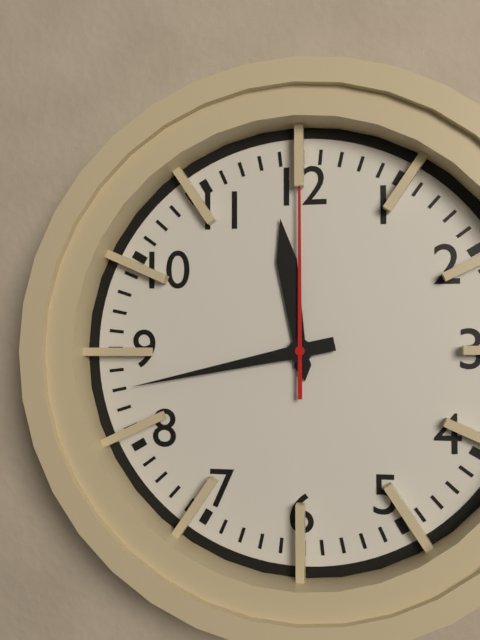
**11:43:00**
